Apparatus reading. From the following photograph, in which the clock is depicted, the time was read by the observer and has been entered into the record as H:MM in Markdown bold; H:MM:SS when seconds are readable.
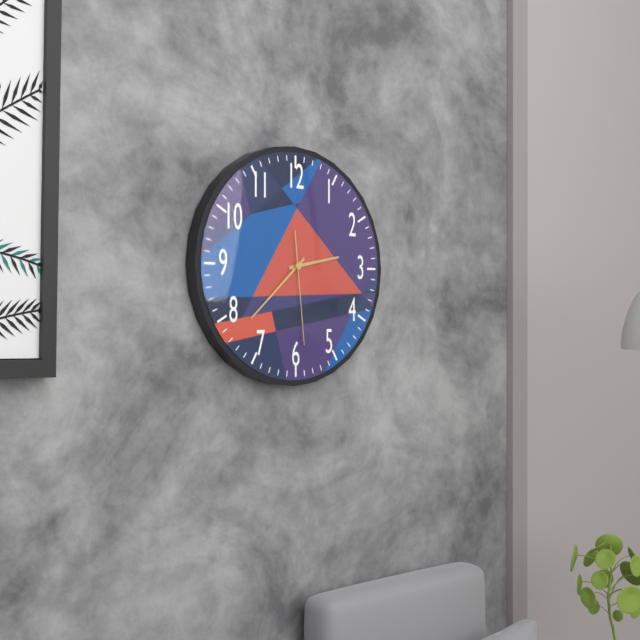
**2:38:29**
